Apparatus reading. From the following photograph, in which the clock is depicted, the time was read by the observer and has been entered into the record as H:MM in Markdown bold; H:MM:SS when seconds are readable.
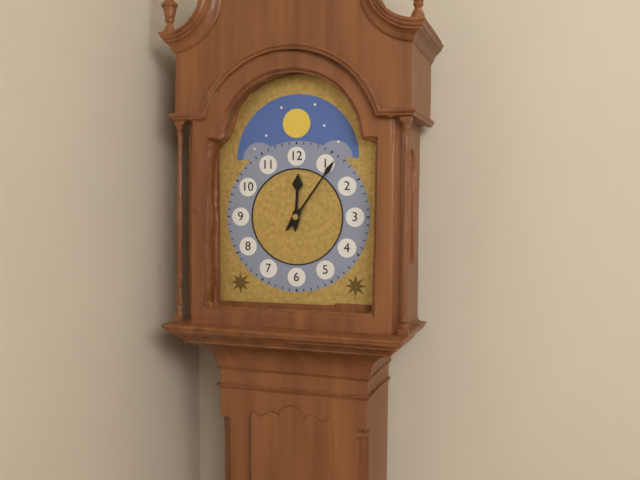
**12:06**
